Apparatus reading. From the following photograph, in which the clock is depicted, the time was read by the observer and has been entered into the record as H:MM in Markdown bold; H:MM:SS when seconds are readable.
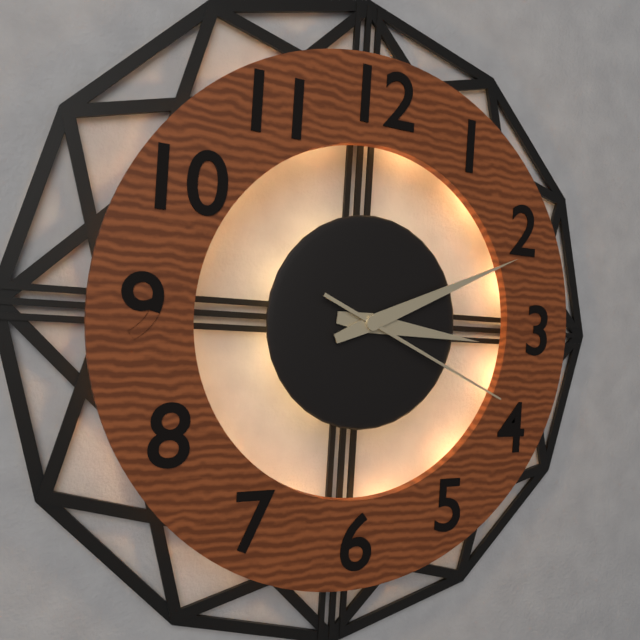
**3:11:19**
